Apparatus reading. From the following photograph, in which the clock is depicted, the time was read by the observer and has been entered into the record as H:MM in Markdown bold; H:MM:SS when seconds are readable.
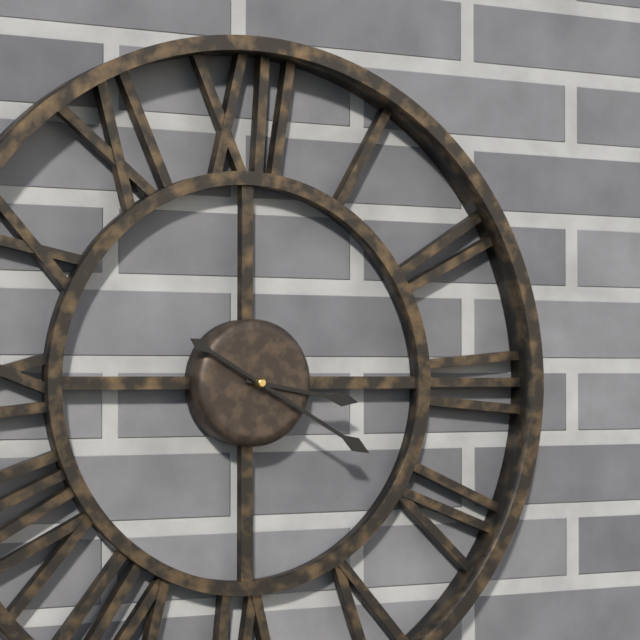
**3:20**
